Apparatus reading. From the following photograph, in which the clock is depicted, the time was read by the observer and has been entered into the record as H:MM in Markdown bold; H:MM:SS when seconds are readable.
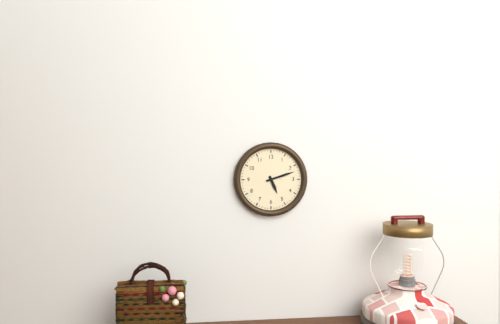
**5:12**
